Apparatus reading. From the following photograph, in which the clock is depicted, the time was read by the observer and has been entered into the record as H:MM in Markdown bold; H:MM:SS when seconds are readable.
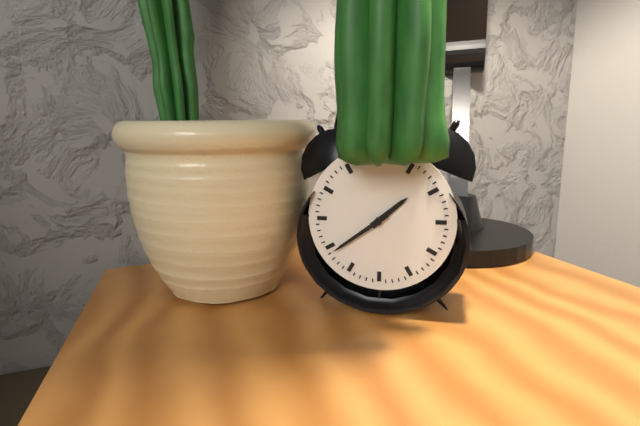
**1:39**
